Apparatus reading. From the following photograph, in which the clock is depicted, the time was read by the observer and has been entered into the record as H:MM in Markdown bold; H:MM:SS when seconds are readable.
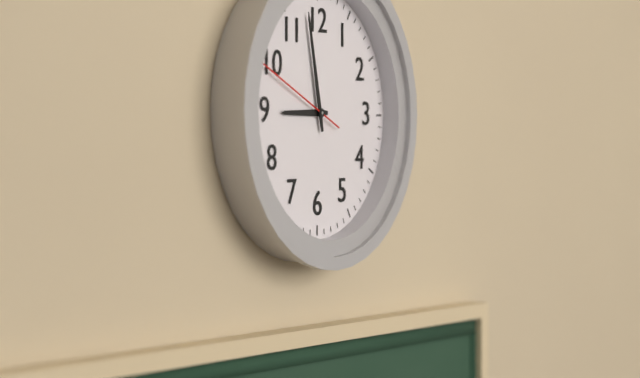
**8:58:49**
